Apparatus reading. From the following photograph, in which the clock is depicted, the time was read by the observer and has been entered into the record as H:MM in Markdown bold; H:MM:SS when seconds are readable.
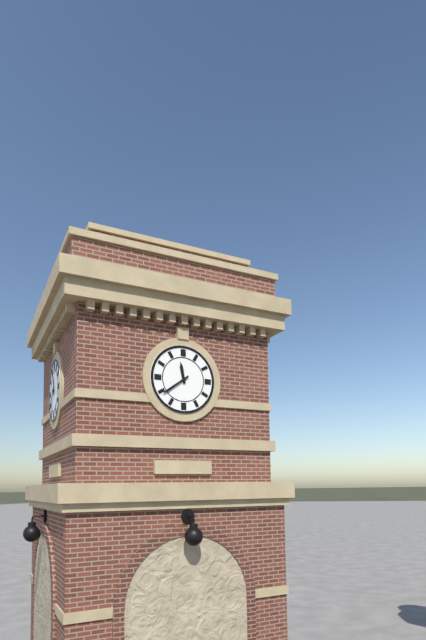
**11:39**
